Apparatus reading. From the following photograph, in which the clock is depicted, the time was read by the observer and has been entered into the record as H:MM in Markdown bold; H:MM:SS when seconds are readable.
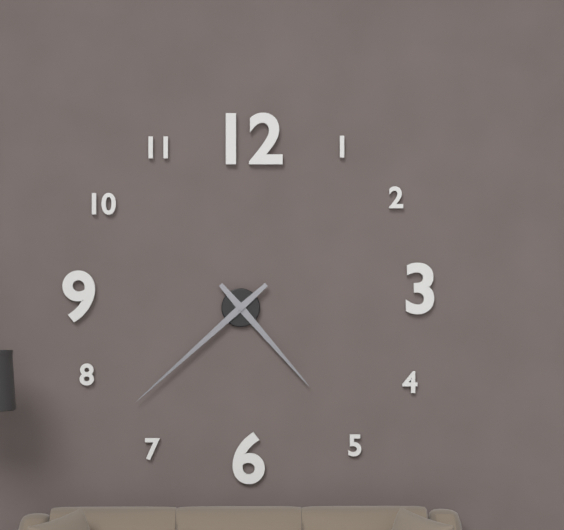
**4:38**
